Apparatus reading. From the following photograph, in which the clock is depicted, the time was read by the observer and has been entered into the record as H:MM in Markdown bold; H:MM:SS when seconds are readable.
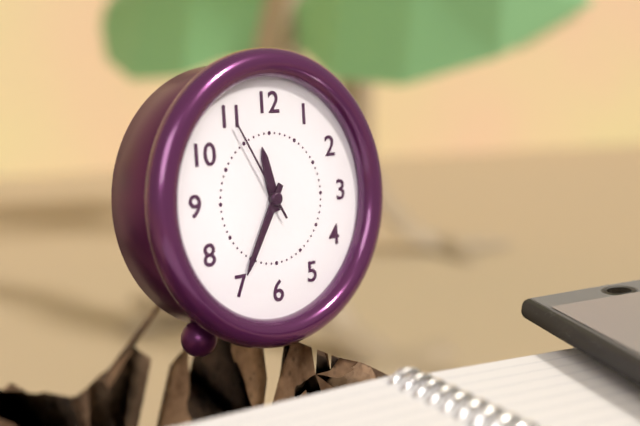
**11:35:55**
